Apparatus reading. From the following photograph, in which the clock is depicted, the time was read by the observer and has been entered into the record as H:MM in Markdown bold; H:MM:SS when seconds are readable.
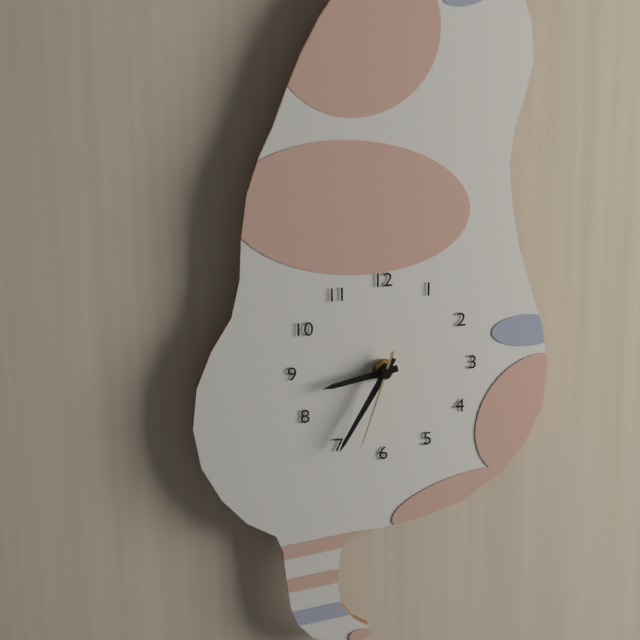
**8:35:33**
